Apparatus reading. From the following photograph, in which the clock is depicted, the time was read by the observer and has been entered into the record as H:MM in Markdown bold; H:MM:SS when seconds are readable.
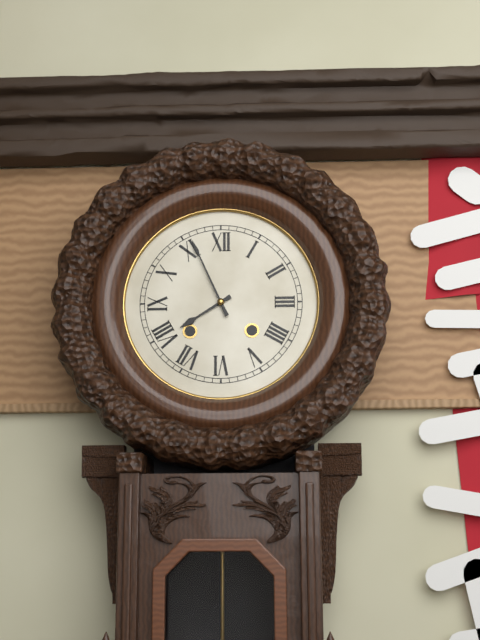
**7:56**
